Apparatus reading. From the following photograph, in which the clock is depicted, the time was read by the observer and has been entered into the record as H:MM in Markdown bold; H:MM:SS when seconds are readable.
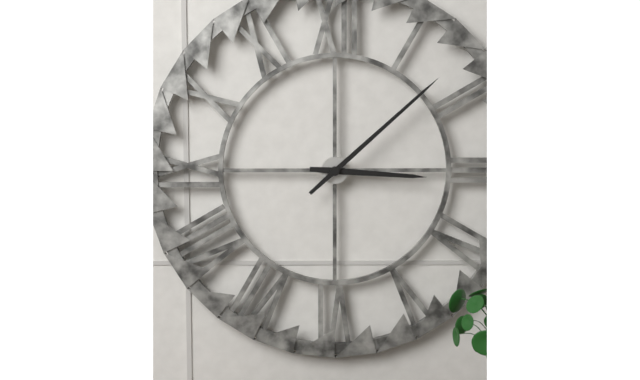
**3:08**
